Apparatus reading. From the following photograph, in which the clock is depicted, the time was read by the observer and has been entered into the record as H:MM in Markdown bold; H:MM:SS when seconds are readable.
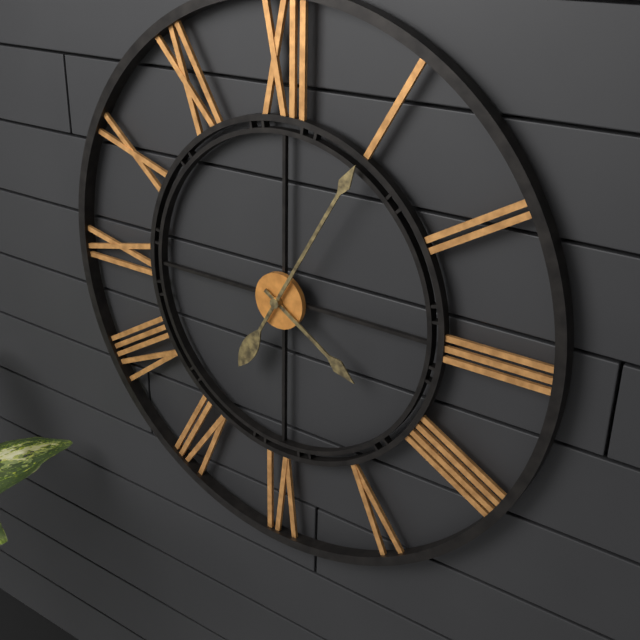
**4:05**
